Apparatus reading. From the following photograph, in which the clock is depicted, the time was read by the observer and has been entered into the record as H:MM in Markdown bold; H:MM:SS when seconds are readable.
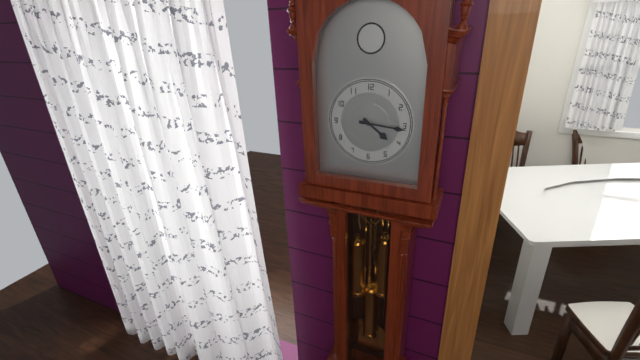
**4:16**
